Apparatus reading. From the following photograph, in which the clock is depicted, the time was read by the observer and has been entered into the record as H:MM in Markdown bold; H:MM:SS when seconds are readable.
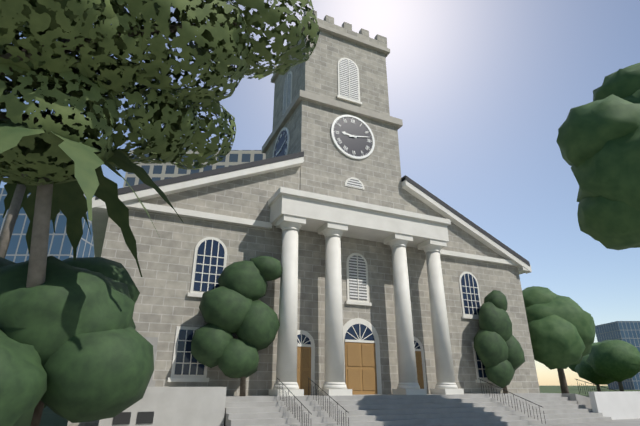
**9:13**
